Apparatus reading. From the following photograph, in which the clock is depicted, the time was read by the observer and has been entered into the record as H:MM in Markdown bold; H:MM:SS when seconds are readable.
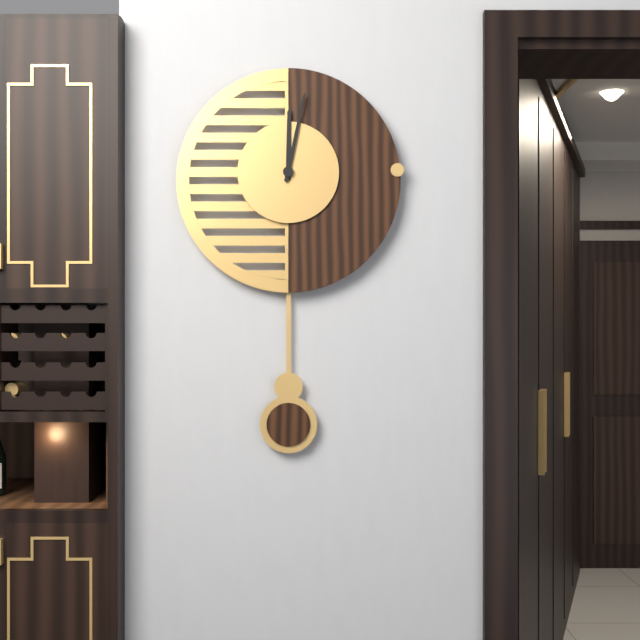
**12:02**
